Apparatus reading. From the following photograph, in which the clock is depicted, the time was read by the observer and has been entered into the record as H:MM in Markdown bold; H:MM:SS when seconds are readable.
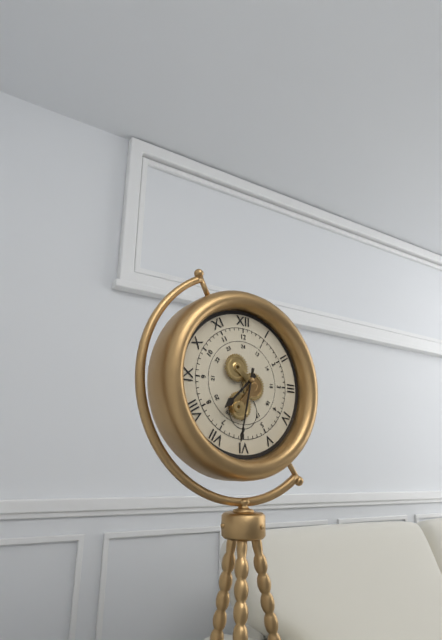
**7:32**
